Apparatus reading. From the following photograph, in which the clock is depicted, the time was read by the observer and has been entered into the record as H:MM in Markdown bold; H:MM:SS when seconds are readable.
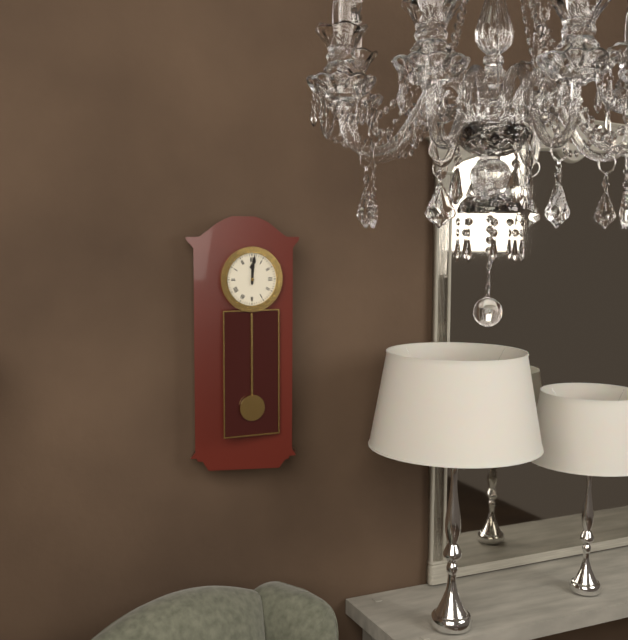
**12:01**
